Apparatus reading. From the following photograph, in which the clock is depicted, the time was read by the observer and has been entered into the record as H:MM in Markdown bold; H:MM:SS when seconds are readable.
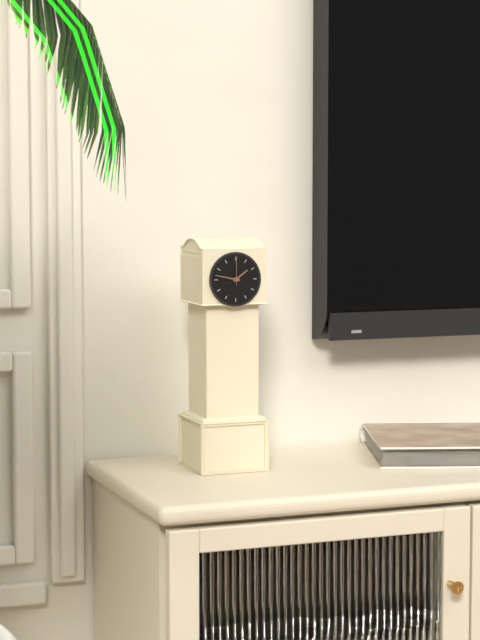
**1:47**
